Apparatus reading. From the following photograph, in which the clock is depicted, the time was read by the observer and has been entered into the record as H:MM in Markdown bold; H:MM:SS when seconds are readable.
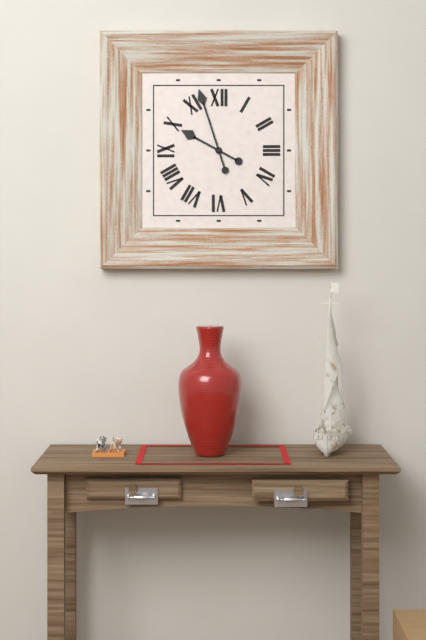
**9:57**
